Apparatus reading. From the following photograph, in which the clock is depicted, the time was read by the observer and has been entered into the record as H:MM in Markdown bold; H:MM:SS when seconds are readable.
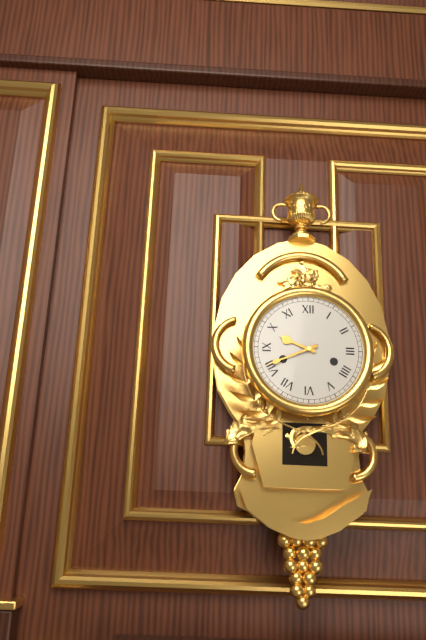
**9:41**
